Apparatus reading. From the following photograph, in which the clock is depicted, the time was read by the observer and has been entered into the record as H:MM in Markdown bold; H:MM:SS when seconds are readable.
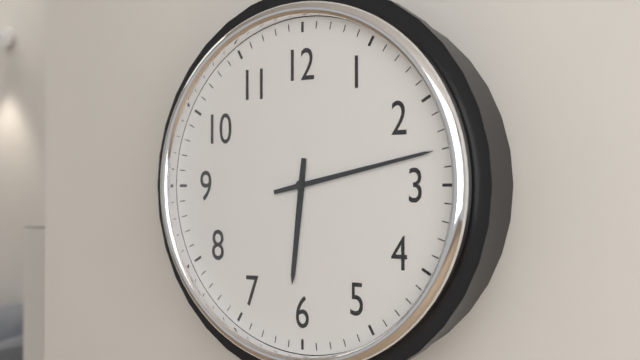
**6:13**
